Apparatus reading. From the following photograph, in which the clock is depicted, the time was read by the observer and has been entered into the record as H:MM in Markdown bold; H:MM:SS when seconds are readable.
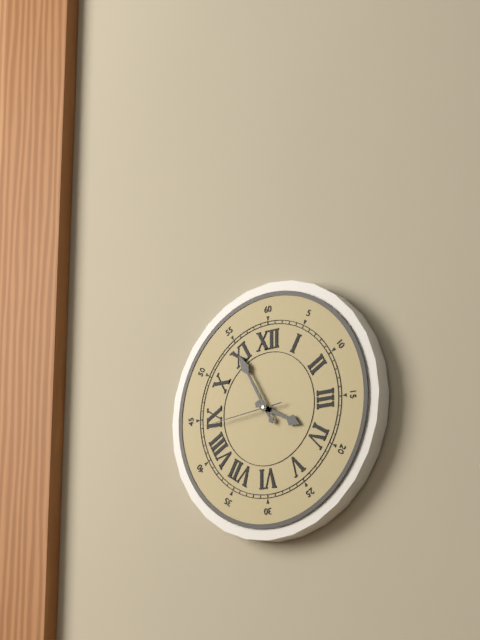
**3:55:44**
